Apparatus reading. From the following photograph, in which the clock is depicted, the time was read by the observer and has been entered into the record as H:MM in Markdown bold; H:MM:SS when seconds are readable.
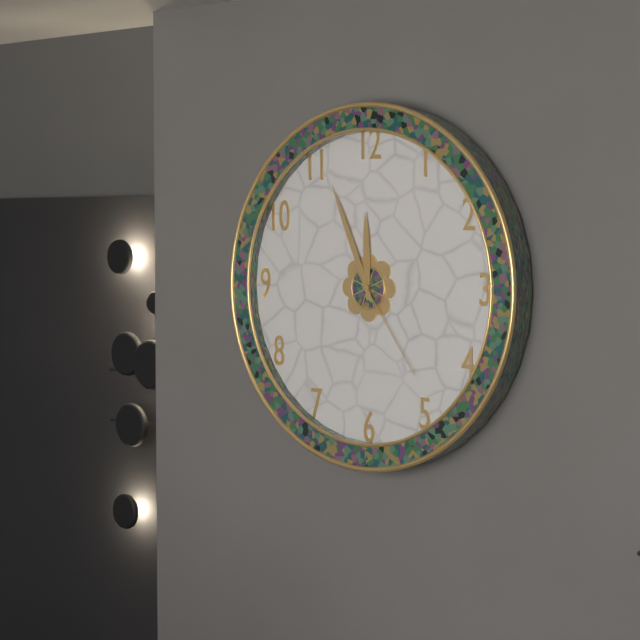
**11:56:24**
